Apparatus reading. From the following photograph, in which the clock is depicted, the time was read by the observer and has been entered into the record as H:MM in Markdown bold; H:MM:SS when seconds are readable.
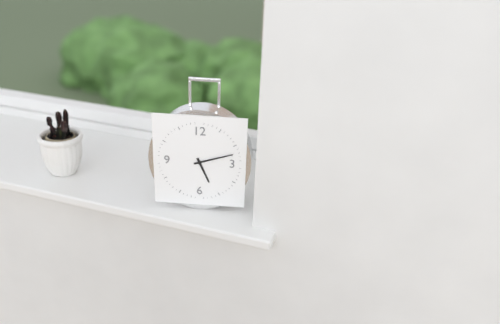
**5:12**
